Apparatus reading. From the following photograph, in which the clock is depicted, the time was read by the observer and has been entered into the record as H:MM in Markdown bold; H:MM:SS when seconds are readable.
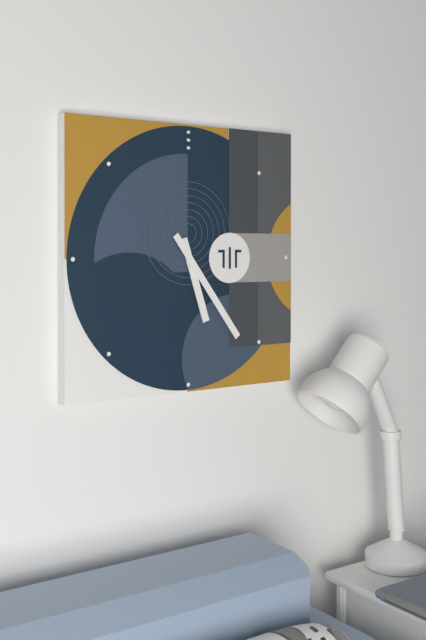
**5:24**
